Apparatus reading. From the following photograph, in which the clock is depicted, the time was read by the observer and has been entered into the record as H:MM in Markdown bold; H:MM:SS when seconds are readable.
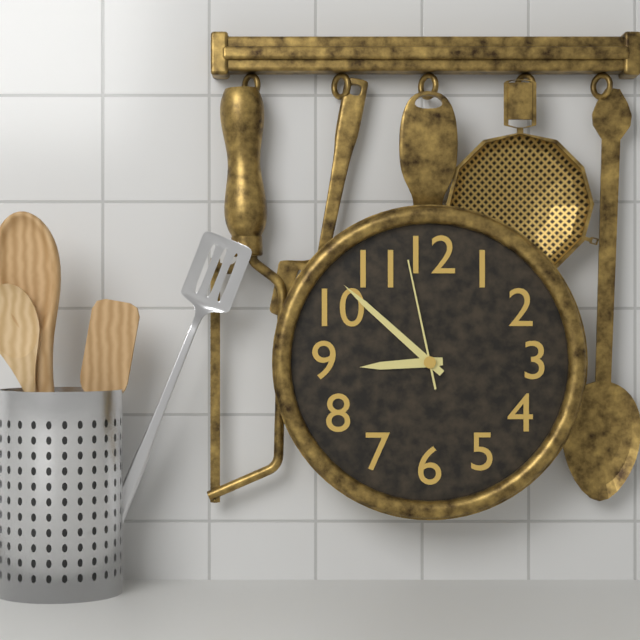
**8:52:58**
